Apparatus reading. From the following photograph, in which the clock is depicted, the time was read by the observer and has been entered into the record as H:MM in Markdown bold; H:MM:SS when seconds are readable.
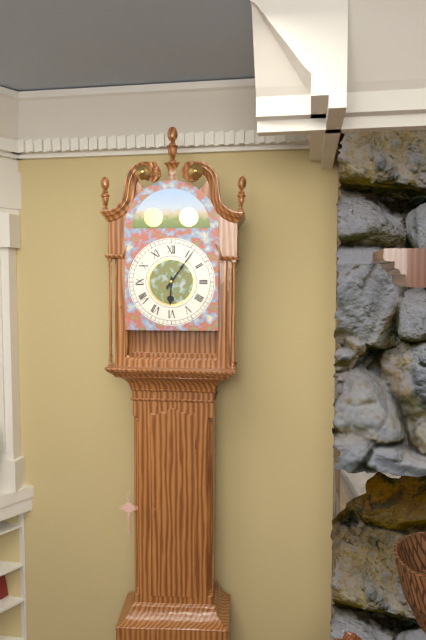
**6:06**
